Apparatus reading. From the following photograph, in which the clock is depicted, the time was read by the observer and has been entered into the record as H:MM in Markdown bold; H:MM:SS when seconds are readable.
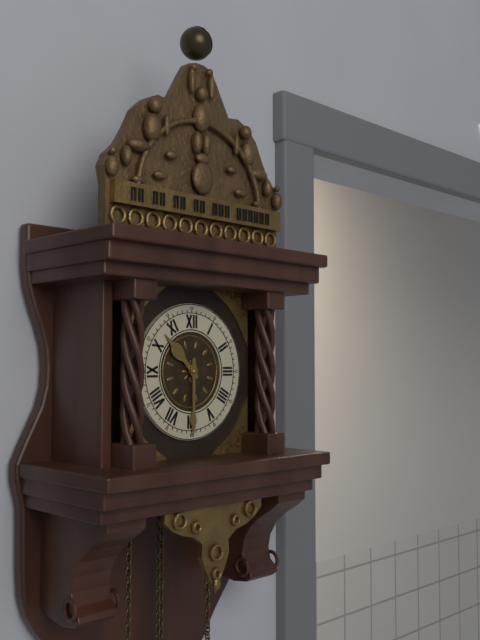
**10:30**
